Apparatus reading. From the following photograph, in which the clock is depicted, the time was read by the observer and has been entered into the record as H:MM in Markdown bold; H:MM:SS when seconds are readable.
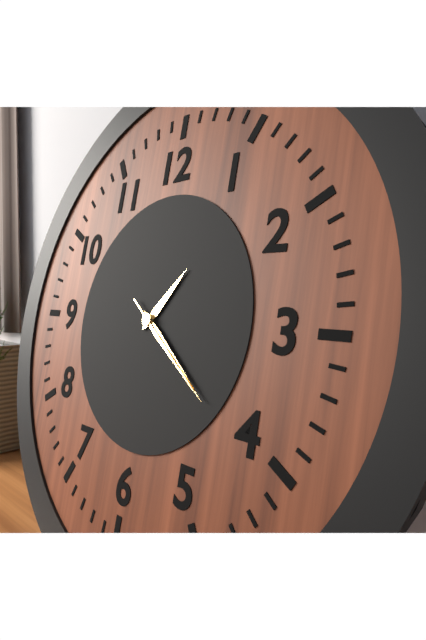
**1:21:21**
